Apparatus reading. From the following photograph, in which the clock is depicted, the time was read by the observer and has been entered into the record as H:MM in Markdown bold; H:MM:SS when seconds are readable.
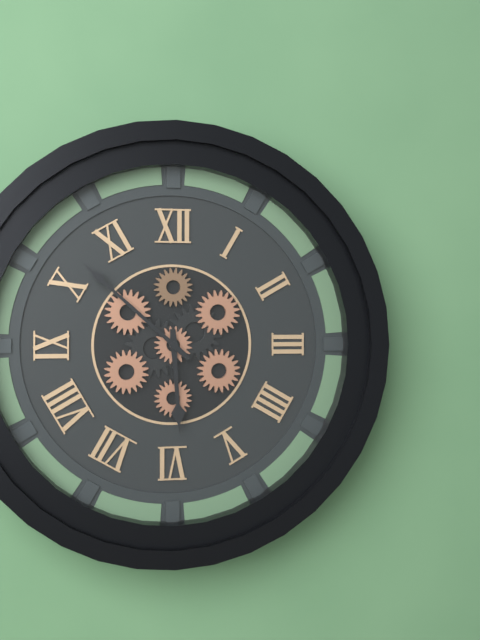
**5:52**
